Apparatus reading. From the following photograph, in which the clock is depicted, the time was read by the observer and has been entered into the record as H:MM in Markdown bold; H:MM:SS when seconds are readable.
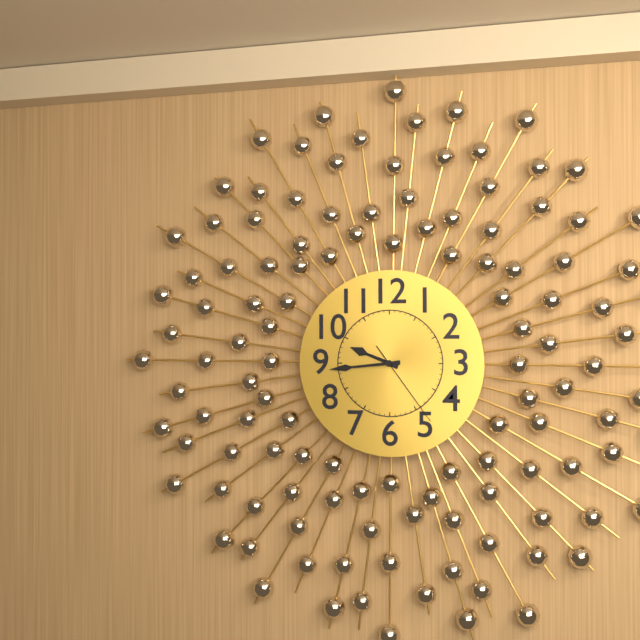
**9:44:24**
